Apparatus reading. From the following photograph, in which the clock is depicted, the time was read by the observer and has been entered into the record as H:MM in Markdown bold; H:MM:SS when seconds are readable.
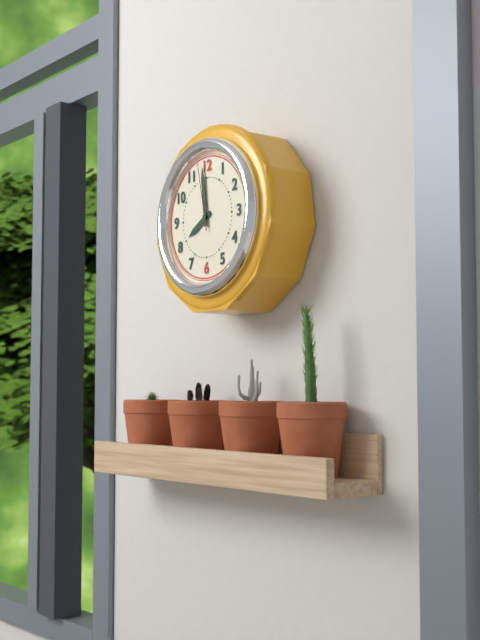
**7:59:58**
